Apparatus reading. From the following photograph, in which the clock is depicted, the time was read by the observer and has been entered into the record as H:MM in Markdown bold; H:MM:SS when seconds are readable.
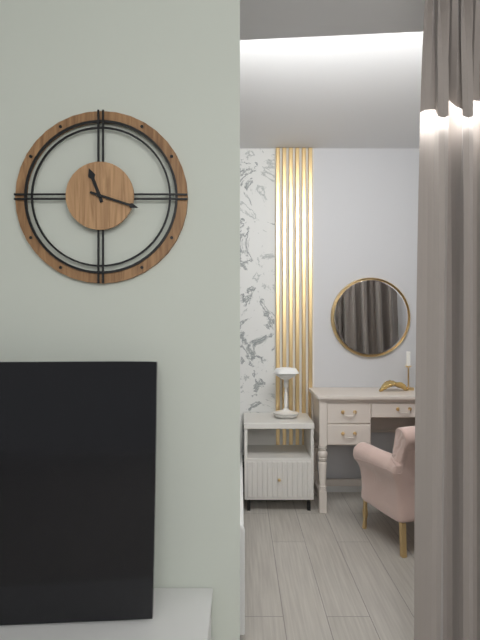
**11:18**
